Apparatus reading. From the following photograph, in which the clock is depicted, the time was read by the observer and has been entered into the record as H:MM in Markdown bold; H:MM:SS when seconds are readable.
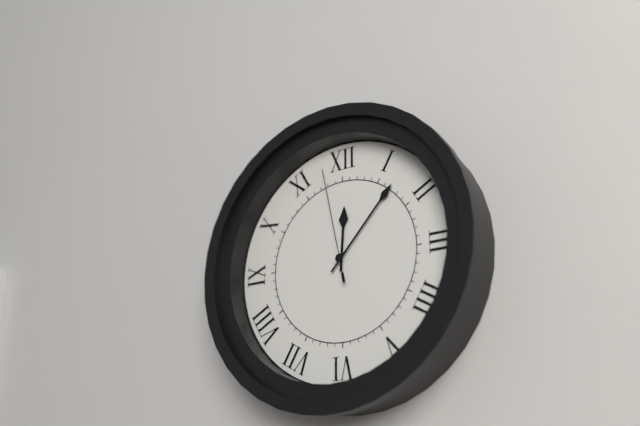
**12:07:58**
